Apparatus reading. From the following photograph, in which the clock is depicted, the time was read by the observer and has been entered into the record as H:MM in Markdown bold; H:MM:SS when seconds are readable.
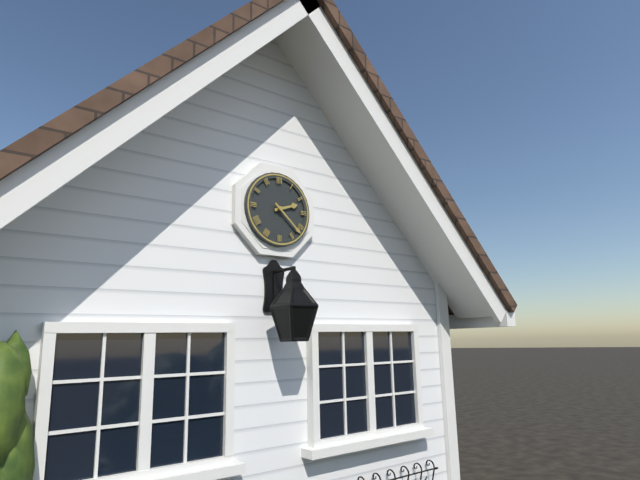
**2:22**
